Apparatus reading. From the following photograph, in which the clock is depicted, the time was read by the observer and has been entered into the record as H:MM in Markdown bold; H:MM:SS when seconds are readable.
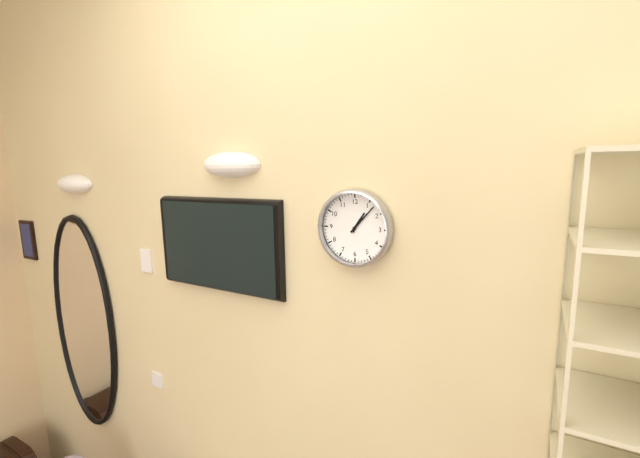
**1:07**
